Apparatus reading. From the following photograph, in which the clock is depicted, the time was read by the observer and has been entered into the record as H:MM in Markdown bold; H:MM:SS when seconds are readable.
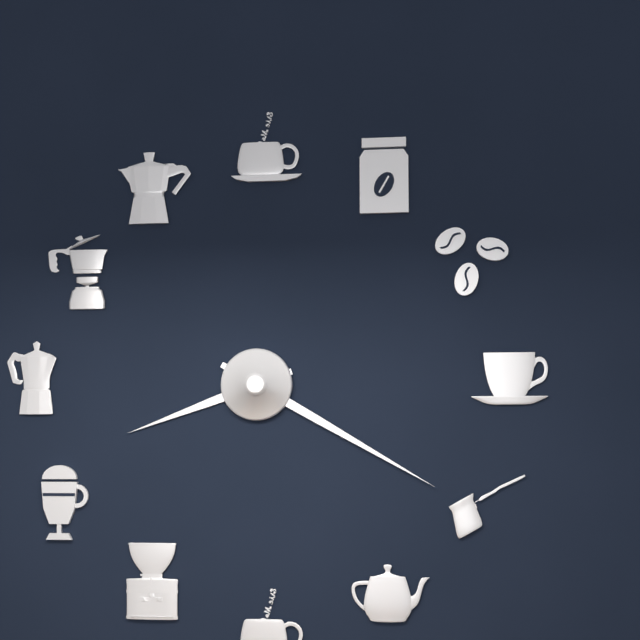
**8:20**
